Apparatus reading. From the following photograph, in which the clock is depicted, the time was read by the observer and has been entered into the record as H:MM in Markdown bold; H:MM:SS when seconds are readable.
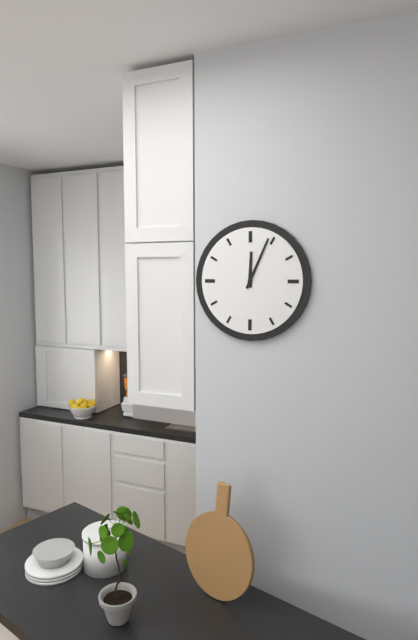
**12:04**
